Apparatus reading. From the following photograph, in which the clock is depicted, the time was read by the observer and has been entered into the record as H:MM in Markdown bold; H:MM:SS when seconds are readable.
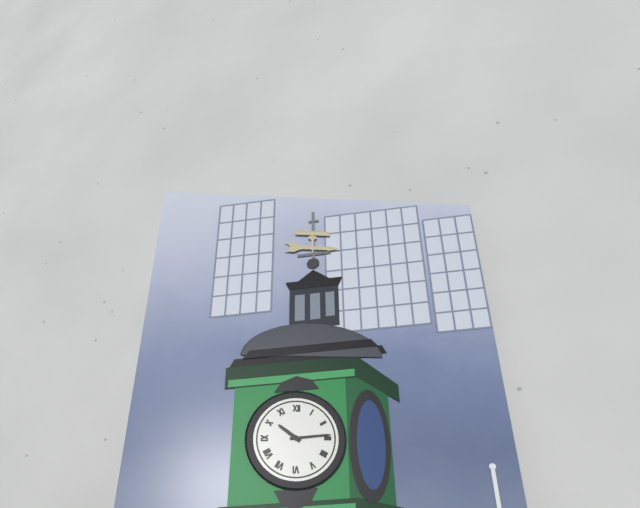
**10:14**
